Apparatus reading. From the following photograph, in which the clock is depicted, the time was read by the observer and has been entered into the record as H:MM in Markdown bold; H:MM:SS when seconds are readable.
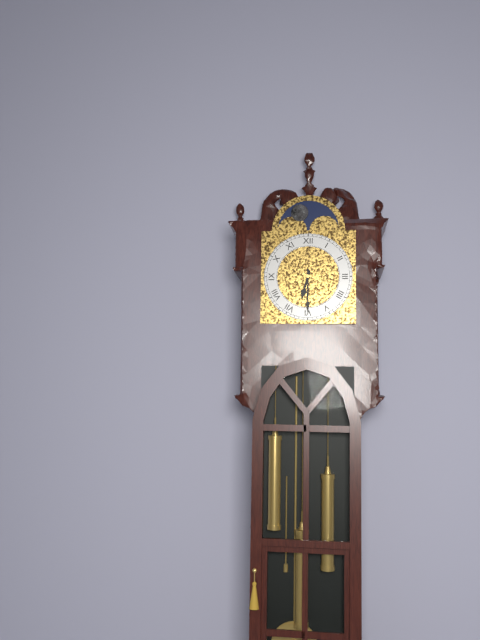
**6:30**
